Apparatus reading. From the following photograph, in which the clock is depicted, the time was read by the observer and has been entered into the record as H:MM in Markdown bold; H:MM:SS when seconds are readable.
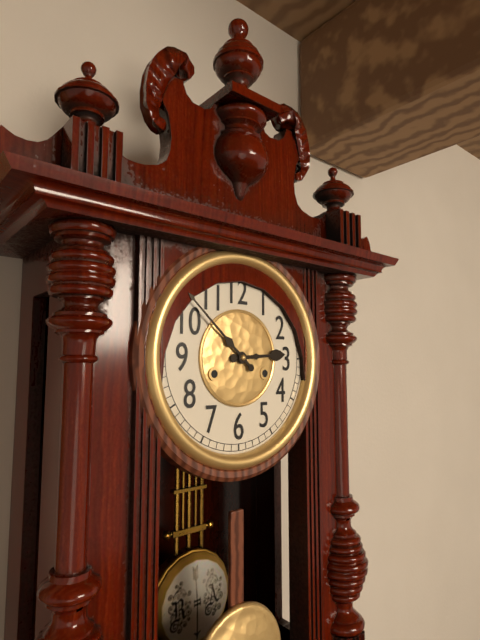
**2:52**
